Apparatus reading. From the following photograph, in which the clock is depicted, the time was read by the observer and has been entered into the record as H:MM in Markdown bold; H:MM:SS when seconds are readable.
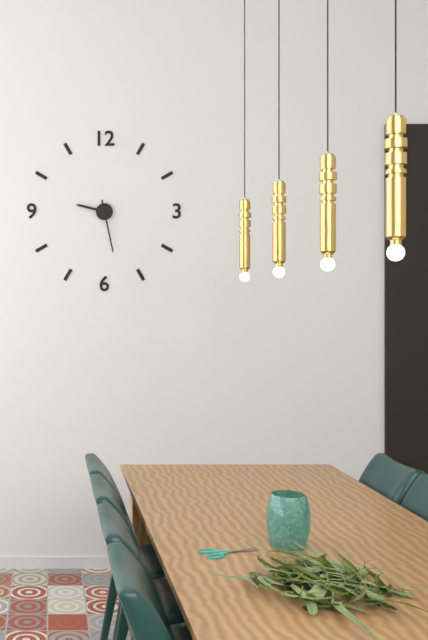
**9:28**
